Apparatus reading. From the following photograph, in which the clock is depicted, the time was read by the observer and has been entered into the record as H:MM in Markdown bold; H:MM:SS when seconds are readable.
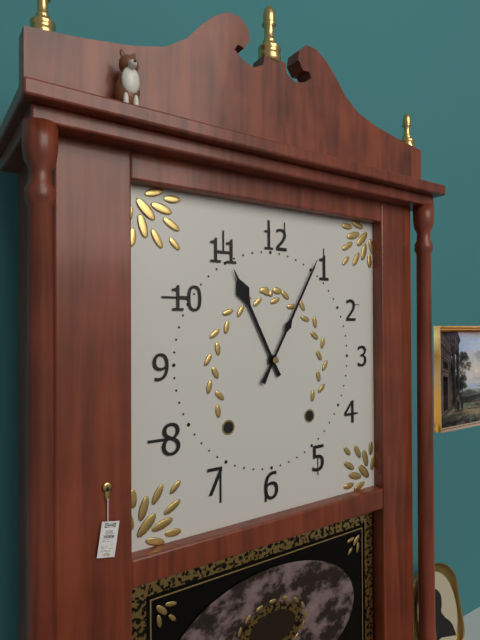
**11:05**
